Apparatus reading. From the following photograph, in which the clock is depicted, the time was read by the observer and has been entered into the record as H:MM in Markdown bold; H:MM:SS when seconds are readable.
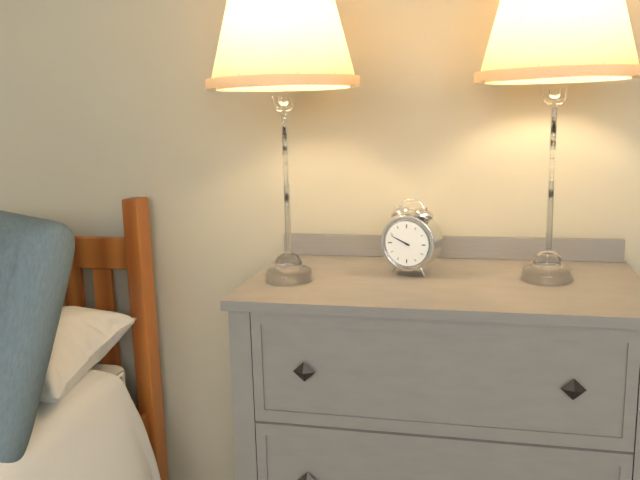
**9:49**
